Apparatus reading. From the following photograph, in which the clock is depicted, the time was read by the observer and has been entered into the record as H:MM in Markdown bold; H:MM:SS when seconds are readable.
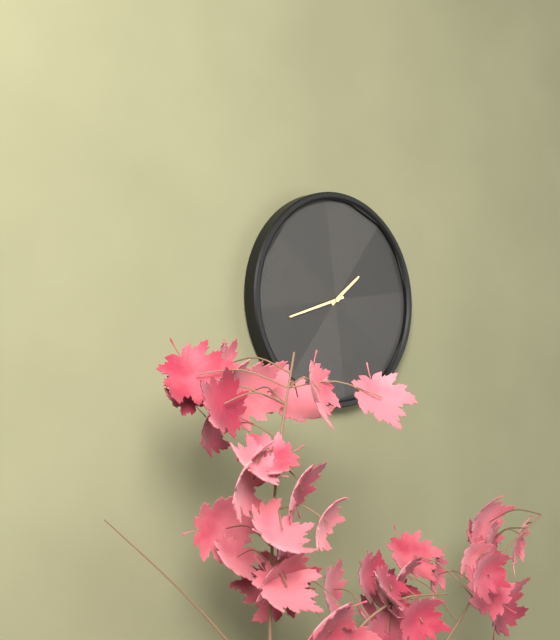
**1:42**
